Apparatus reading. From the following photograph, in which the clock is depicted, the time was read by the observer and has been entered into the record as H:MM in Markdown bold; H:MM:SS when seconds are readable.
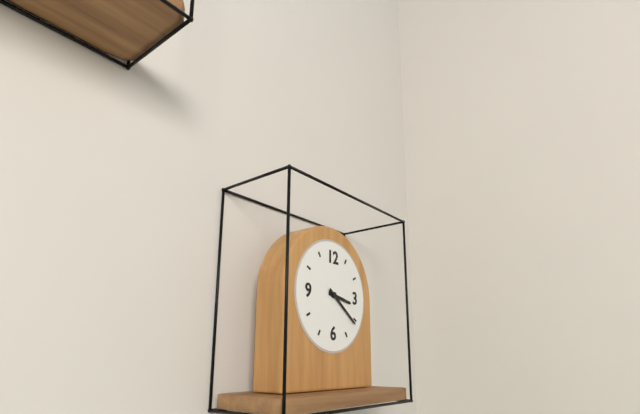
**3:21**
